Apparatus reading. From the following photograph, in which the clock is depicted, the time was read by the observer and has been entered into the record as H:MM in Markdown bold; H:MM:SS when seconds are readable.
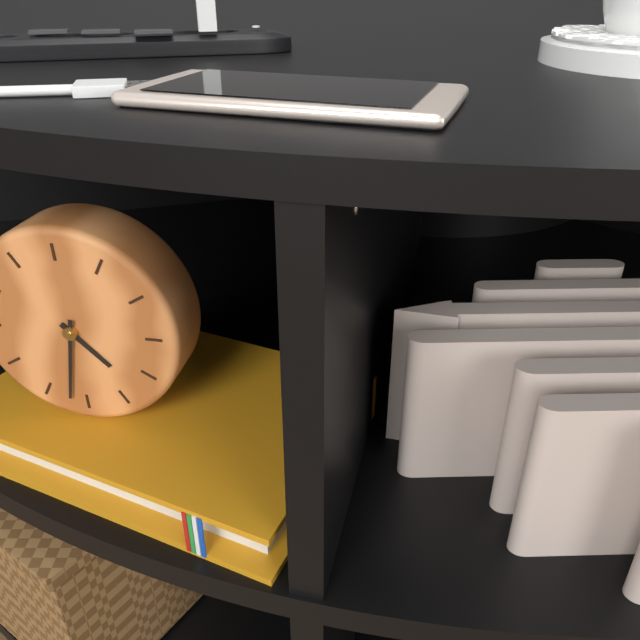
**4:32**
